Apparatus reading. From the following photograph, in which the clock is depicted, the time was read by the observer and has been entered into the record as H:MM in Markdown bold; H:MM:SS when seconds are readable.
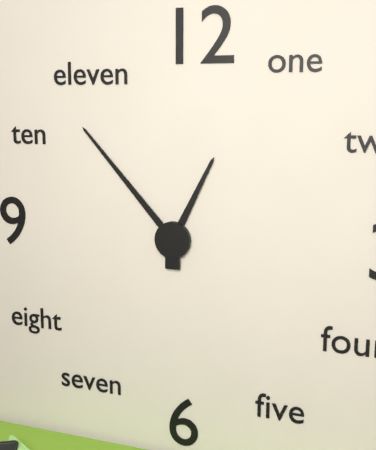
**12:53**
